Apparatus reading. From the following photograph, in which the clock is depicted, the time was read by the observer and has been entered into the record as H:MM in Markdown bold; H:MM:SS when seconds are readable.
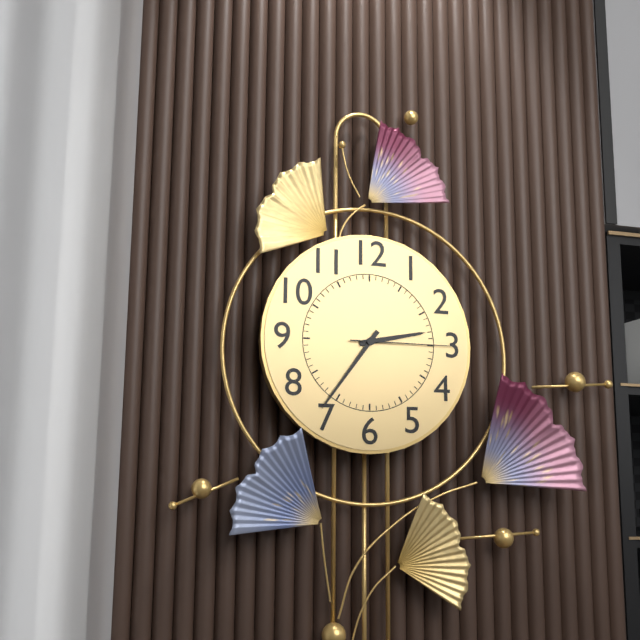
**2:36:15**
